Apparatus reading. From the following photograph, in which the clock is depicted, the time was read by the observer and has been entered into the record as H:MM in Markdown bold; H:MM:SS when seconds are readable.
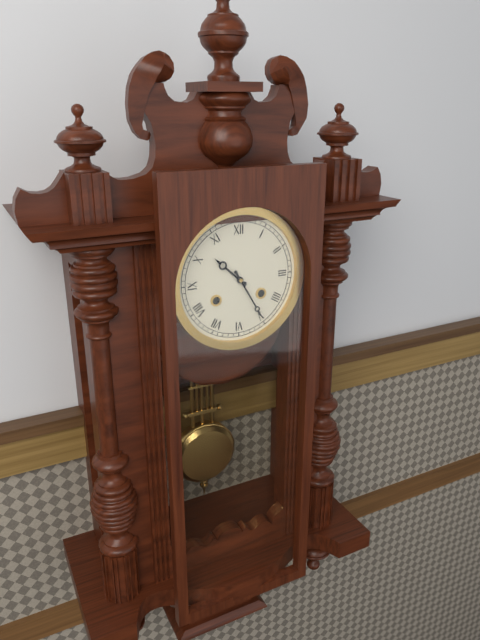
**10:25**
